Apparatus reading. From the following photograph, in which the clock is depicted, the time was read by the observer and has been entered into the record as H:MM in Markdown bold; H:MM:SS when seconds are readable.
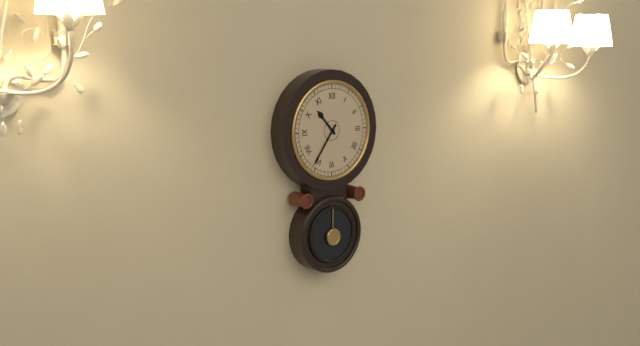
**10:36**
